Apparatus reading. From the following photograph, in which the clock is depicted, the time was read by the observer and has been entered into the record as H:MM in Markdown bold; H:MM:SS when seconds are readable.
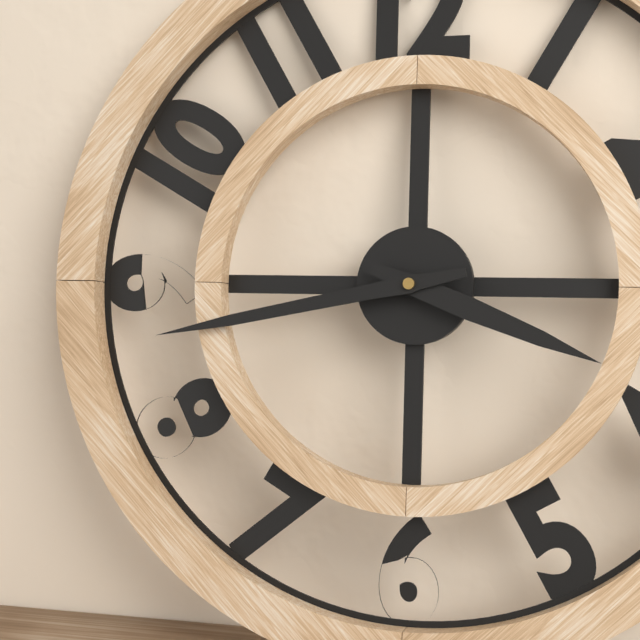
**3:43**
